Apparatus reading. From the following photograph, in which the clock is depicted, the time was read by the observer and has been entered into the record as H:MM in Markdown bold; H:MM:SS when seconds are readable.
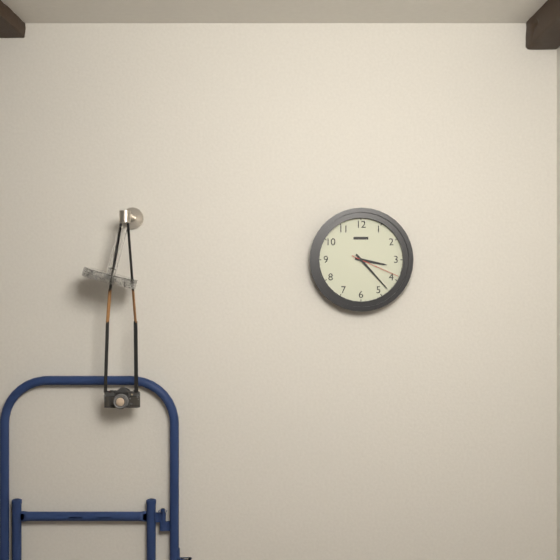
**3:23:19**
